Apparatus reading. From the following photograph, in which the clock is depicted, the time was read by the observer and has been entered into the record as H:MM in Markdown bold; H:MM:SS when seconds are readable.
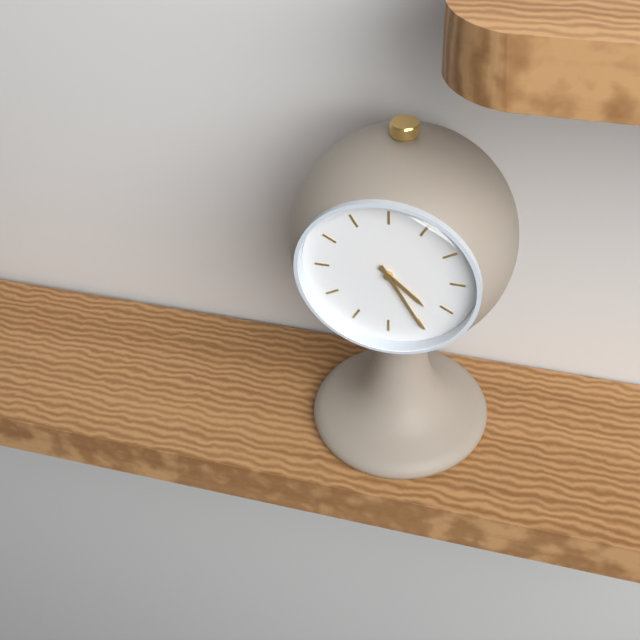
**4:25**
